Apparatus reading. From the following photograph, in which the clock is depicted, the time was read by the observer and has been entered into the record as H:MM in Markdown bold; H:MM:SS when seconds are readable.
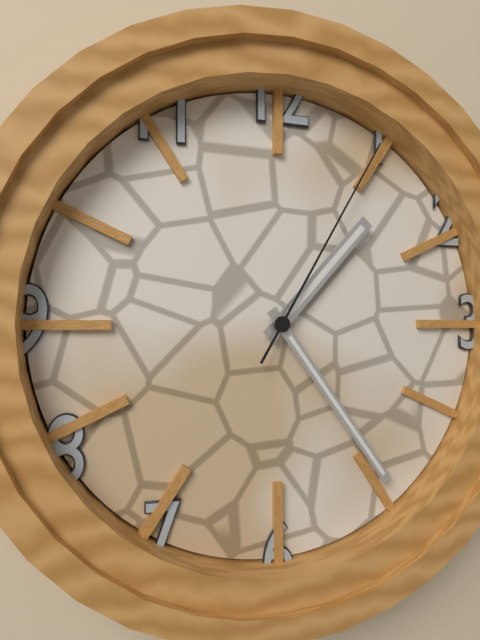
**1:24:05**
